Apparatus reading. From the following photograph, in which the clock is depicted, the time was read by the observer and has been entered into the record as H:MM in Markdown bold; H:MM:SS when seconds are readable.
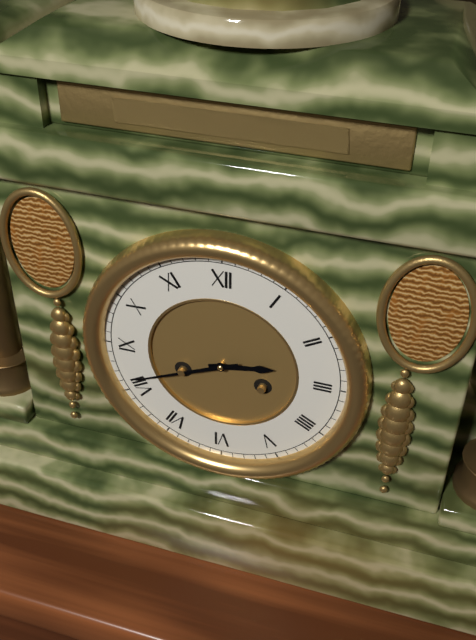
**2:41**
